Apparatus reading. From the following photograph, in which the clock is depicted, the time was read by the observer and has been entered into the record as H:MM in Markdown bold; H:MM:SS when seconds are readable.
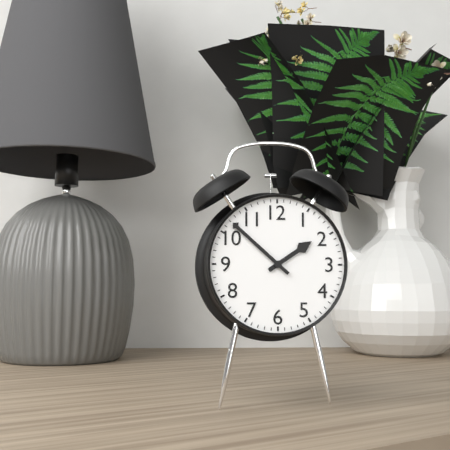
**1:52**
